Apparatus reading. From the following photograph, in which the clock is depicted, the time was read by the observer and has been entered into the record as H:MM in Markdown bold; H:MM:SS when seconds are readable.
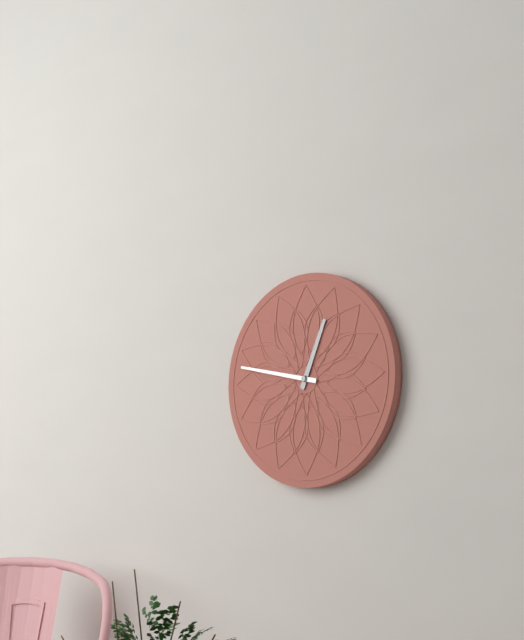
**12:47**
